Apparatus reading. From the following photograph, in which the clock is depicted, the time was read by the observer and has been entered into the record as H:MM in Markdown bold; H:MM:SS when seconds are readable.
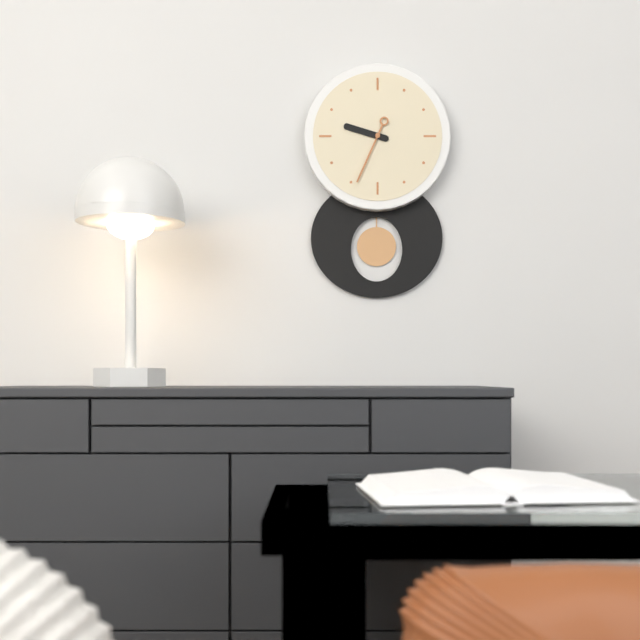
**9:34**
